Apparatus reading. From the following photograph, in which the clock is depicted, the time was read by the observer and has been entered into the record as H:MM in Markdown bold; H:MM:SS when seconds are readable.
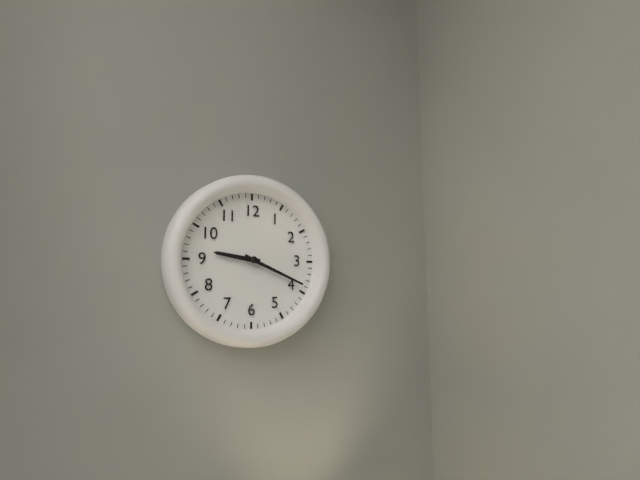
**9:19**
